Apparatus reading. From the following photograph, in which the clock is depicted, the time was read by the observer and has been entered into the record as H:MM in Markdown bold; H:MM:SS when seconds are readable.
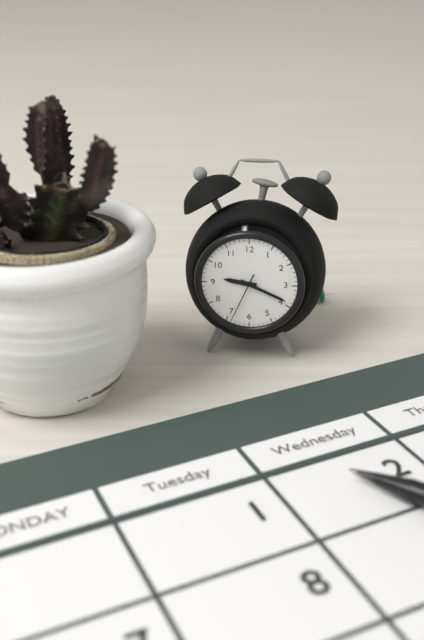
**9:19:34**
